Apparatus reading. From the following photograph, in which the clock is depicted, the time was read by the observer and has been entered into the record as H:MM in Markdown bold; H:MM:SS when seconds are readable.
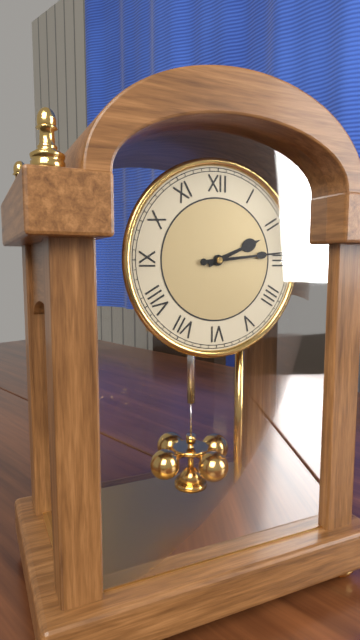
**2:14**
